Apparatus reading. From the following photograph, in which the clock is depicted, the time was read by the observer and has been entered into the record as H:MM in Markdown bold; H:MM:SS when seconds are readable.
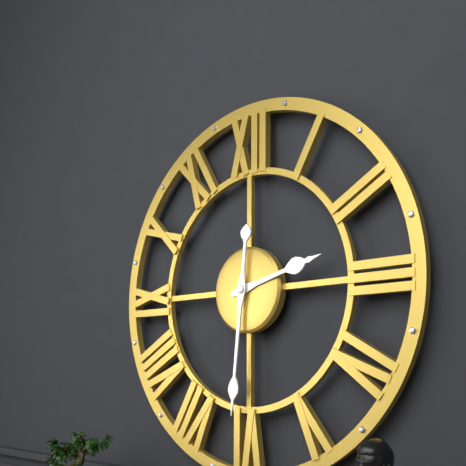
**2:31**
